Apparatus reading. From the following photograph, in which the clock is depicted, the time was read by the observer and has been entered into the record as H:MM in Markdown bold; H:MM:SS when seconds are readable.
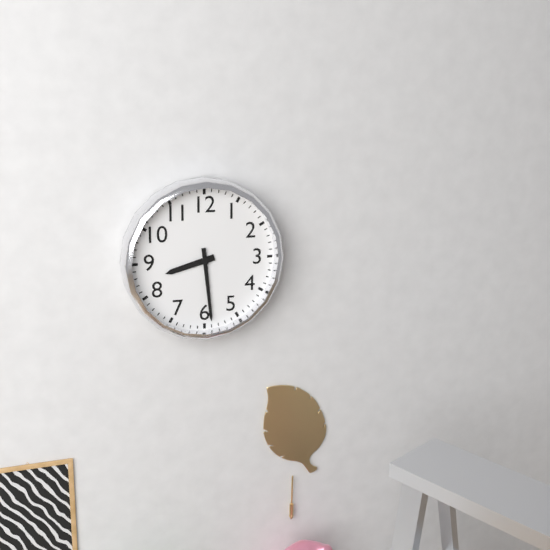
**8:29**
